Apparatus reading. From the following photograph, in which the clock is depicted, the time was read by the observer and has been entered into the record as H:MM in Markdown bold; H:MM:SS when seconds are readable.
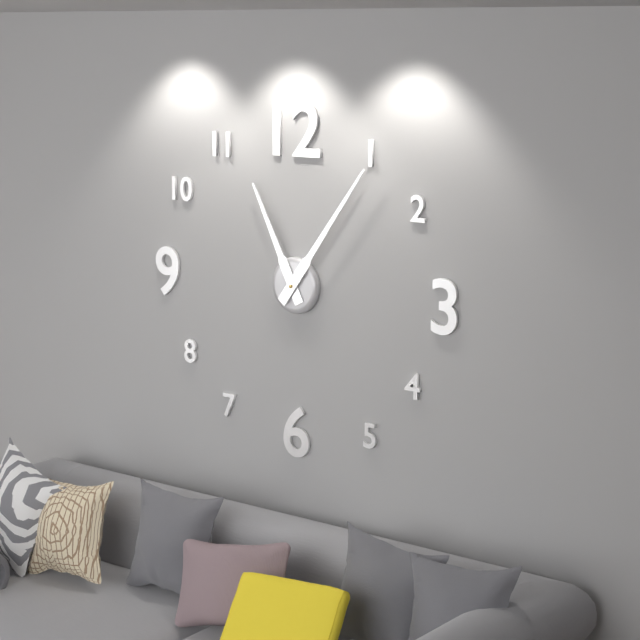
**11:06**
